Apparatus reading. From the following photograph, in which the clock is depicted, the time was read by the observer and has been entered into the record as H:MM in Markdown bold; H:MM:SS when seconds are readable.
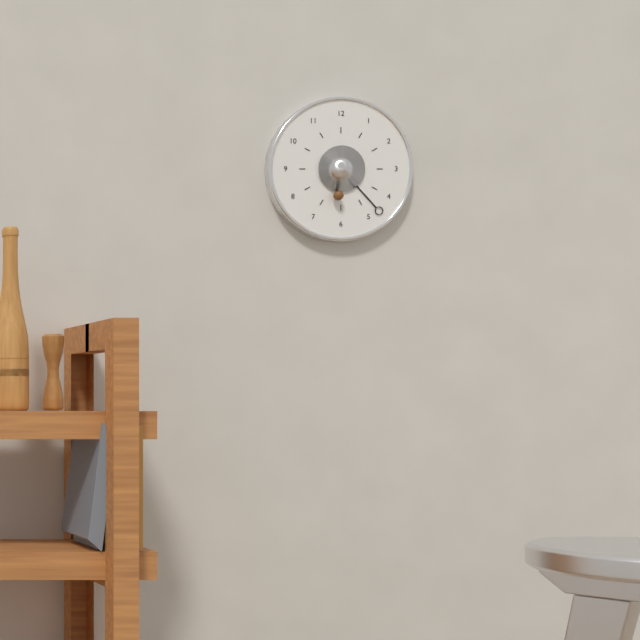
**6:23**
